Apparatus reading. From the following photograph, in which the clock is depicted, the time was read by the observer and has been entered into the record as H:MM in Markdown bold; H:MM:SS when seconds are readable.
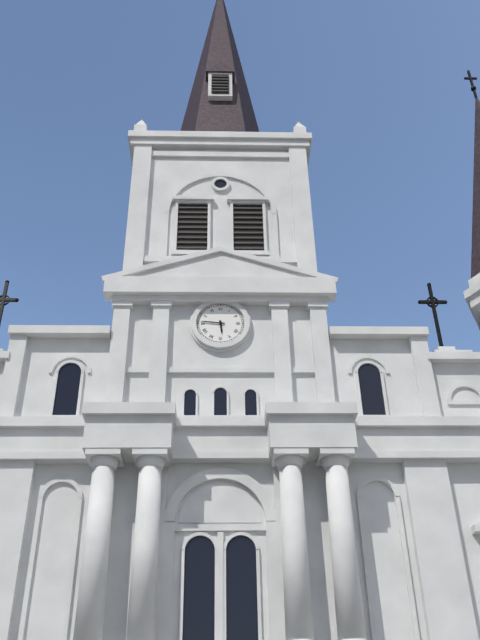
**5:46**
